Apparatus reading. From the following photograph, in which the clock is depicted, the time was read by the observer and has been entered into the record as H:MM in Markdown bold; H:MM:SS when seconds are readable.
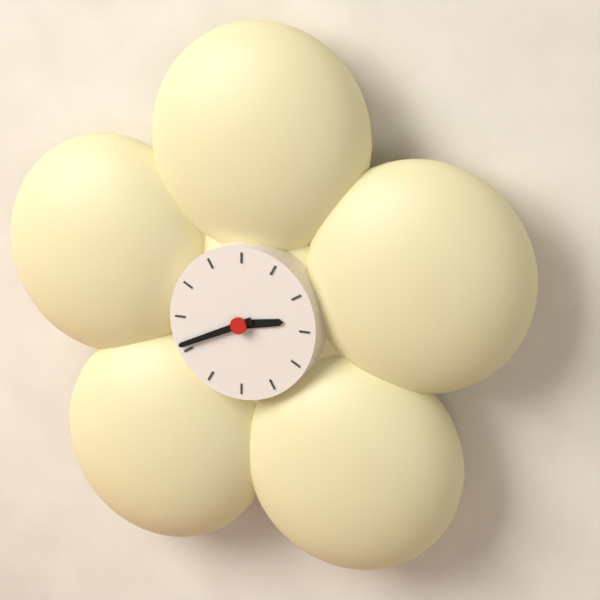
**2:41**
